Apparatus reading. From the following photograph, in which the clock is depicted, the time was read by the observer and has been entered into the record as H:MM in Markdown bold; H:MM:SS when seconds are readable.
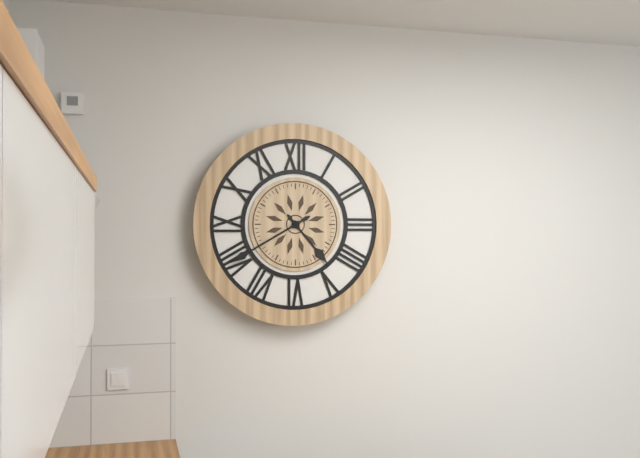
**4:40**
